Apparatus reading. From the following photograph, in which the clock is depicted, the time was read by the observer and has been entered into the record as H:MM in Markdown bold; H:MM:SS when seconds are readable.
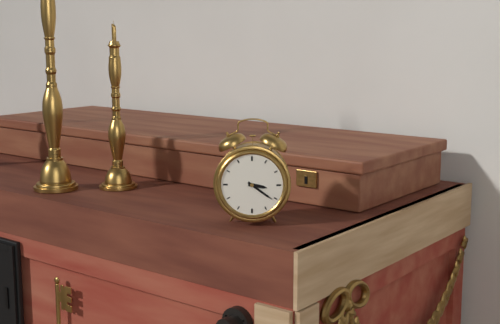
**3:21**
